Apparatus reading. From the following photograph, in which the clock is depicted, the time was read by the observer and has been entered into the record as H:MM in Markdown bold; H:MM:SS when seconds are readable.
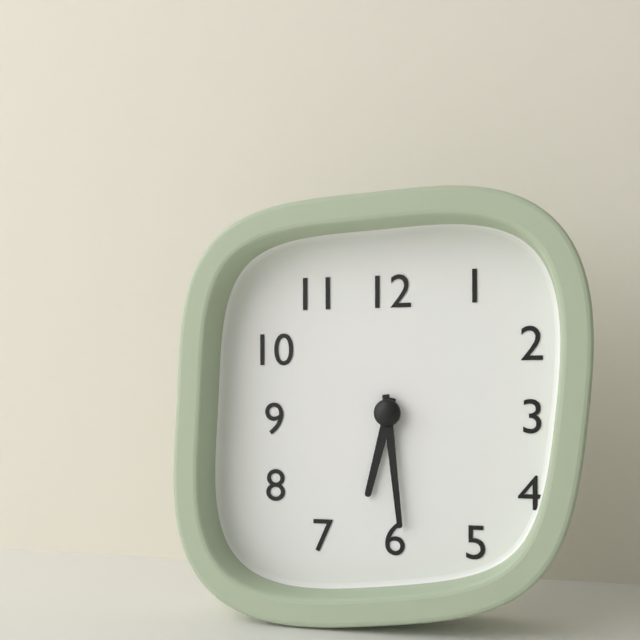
**6:29**
